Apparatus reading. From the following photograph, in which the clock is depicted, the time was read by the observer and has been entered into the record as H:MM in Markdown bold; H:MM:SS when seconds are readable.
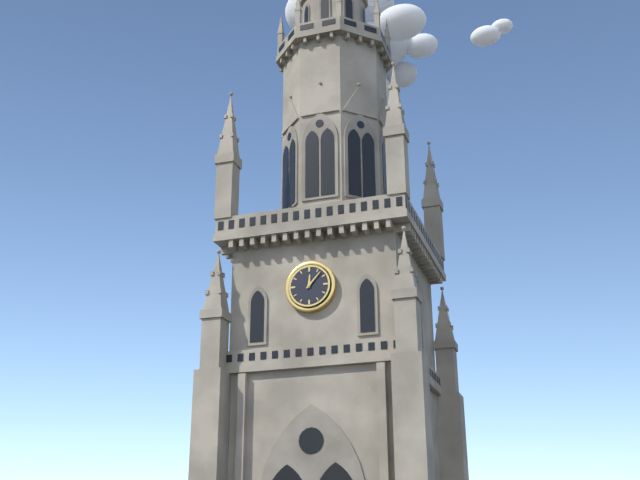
**12:07**
